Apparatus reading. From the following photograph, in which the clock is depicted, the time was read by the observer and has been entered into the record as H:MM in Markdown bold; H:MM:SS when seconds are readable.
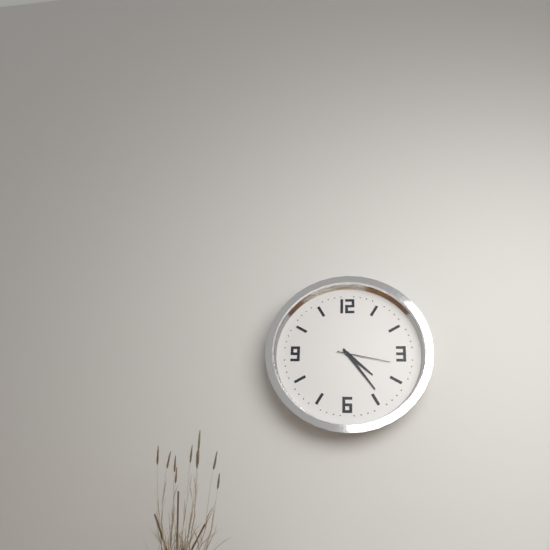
**4:24:17**
